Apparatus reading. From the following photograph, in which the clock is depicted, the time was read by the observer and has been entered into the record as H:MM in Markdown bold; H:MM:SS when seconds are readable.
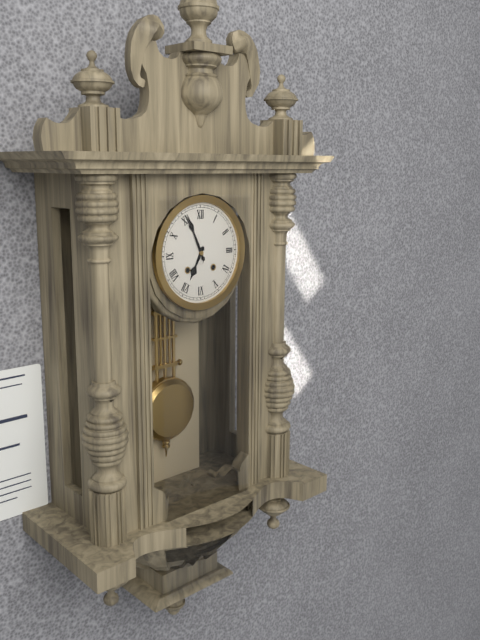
**6:56**
